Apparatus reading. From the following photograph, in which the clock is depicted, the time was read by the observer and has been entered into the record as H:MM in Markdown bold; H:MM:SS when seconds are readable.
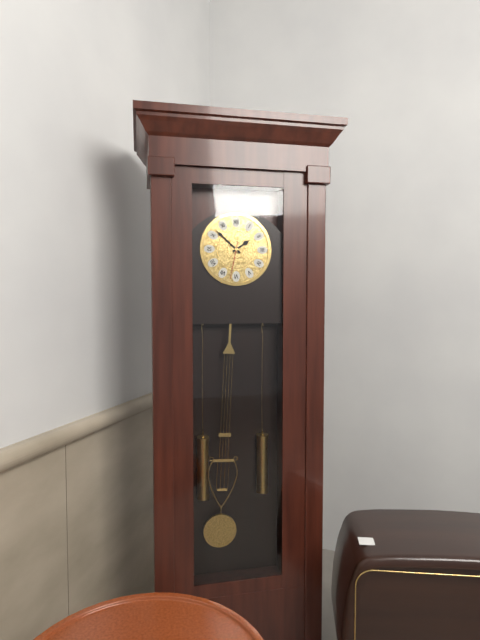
**1:52**
